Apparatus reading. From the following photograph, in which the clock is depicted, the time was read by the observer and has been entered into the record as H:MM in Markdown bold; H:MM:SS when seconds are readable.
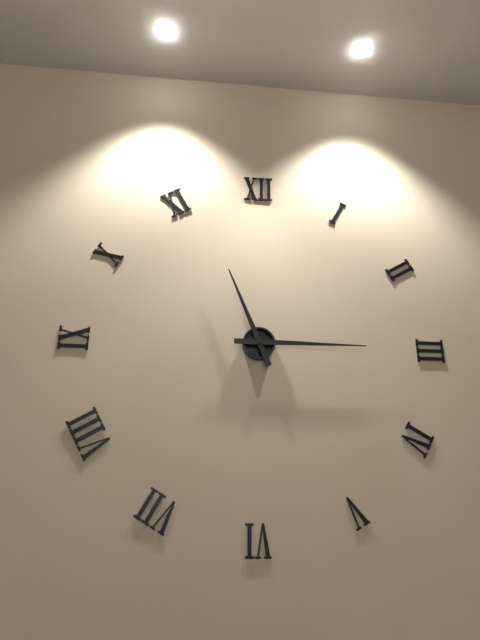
**11:15**
